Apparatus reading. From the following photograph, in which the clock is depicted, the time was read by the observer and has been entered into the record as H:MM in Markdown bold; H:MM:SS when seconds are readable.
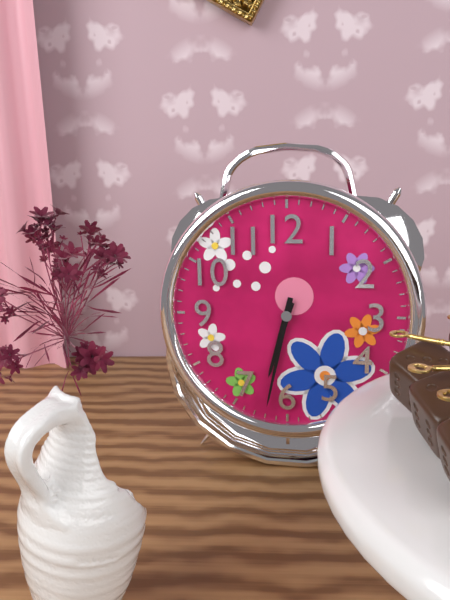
**6:32**
